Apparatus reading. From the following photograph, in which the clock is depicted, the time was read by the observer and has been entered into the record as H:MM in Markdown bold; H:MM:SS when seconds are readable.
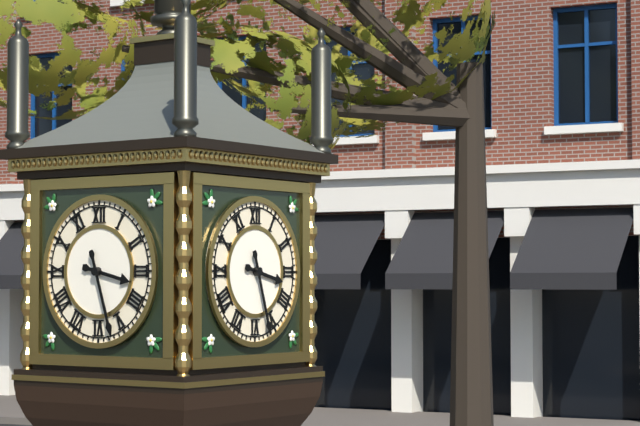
**3:27**
